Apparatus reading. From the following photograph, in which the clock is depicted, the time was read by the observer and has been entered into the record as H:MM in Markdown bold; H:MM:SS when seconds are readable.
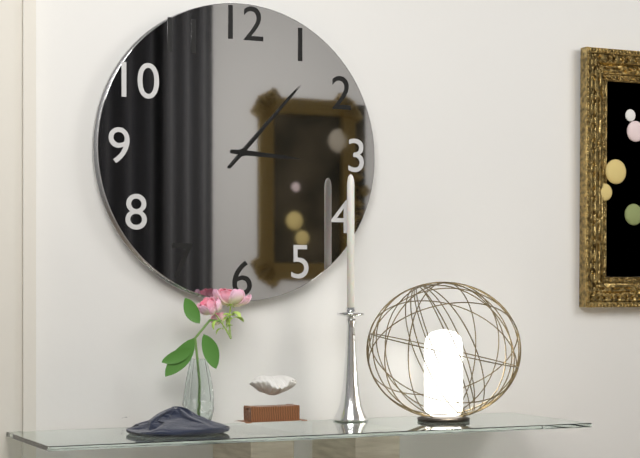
**3:07**
